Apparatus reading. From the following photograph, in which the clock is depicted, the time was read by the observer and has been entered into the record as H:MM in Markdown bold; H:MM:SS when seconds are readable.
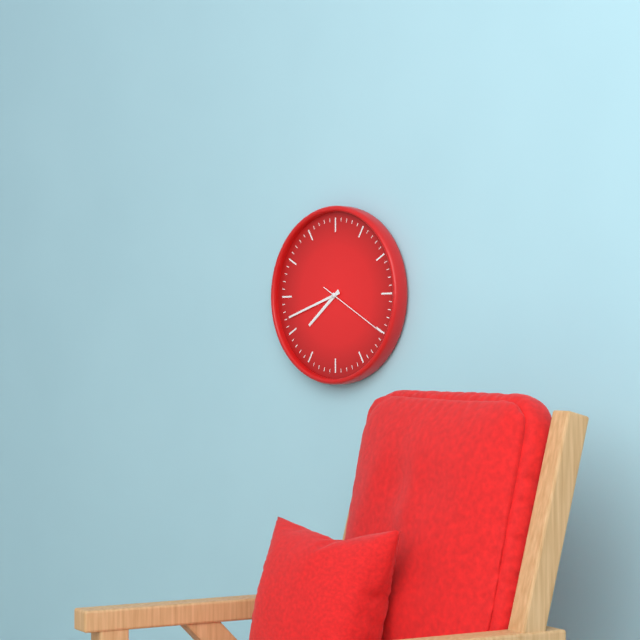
**7:42:20**
